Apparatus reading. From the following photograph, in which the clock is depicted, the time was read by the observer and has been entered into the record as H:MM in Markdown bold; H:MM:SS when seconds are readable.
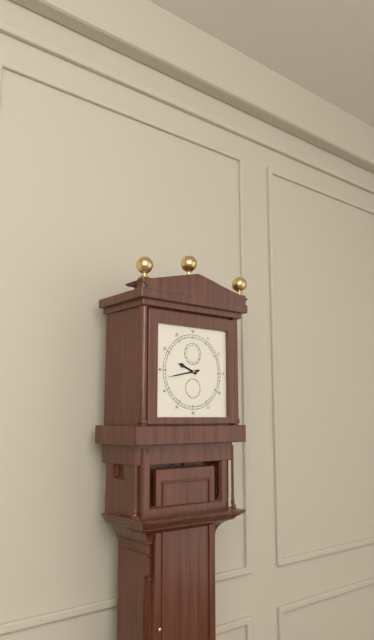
**9:43**
